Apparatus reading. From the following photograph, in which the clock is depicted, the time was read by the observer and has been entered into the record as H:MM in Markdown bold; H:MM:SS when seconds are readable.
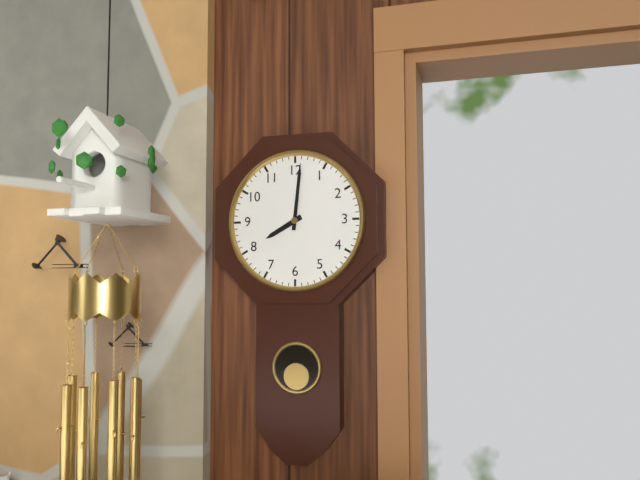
**8:01**
